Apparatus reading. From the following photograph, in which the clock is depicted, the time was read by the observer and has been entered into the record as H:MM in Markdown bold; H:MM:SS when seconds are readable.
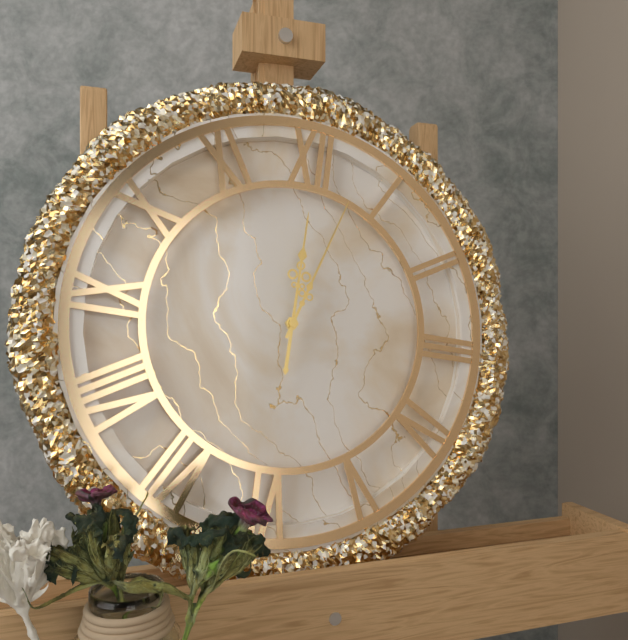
**12:03**
